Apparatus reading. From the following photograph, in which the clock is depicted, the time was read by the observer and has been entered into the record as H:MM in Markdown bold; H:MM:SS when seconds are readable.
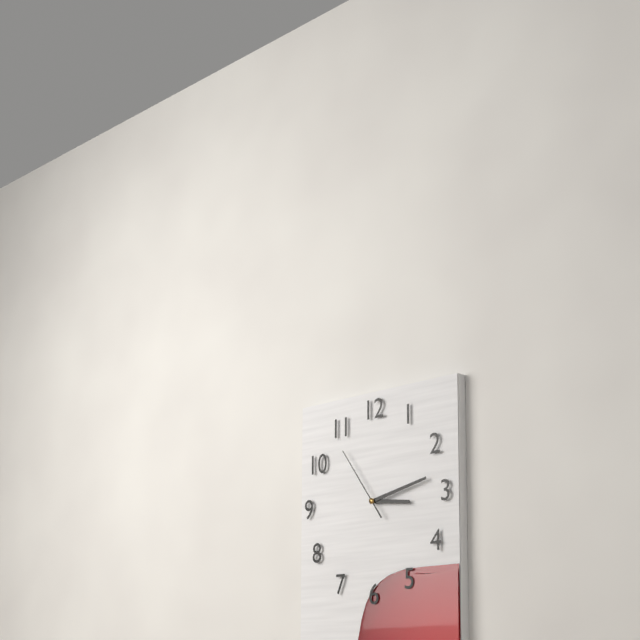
**3:13:54**
